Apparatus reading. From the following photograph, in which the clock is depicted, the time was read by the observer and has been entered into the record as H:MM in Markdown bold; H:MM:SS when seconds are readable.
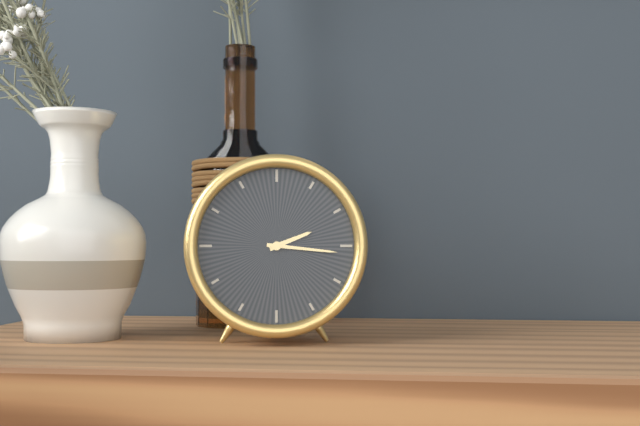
**2:16**
